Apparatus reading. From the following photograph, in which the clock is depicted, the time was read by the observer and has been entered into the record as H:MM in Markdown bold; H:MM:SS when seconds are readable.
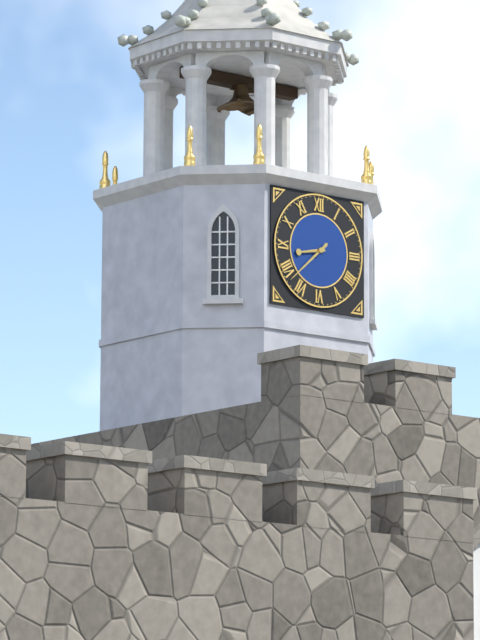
**8:38**
